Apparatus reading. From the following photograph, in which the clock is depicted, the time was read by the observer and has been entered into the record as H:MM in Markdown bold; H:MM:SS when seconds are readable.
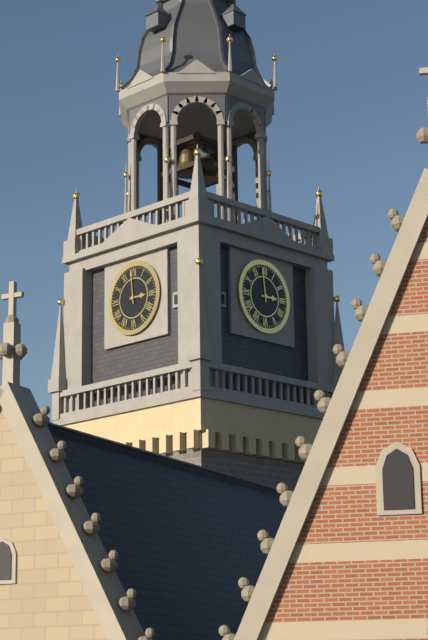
**2:59**
